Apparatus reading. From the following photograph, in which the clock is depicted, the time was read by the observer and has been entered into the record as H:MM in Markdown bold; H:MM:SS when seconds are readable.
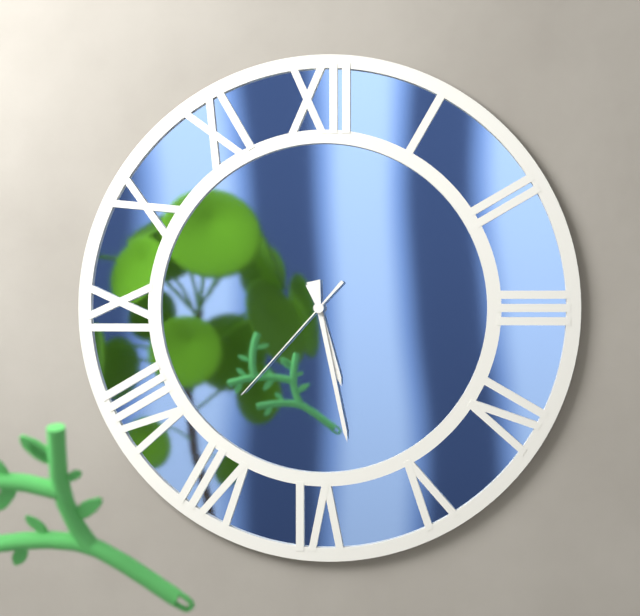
**5:28:37**
